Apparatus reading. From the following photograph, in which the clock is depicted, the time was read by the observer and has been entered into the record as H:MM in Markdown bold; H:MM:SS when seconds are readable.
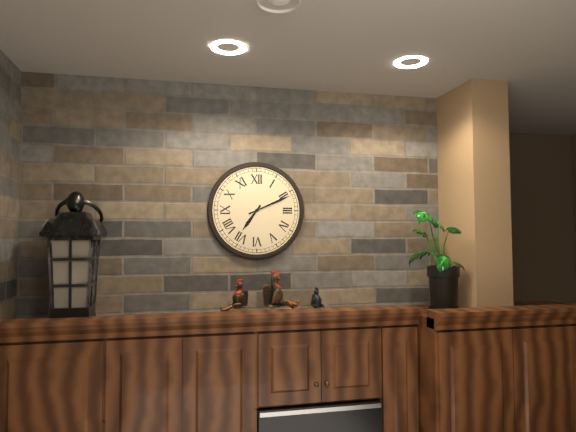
**7:11**
